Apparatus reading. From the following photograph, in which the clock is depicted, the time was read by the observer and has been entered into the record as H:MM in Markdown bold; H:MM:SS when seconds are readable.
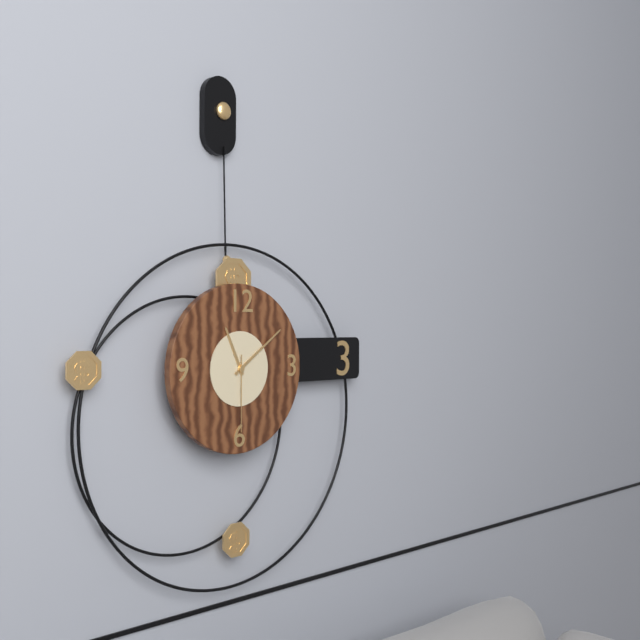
**11:09:30**
